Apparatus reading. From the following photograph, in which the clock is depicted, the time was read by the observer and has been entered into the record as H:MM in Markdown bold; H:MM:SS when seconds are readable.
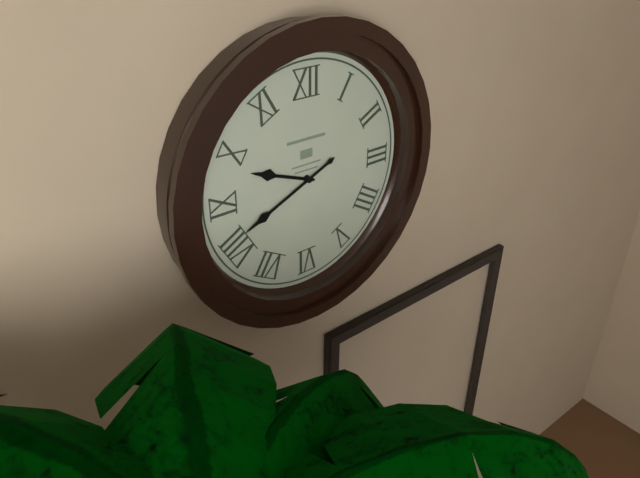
**9:41**
